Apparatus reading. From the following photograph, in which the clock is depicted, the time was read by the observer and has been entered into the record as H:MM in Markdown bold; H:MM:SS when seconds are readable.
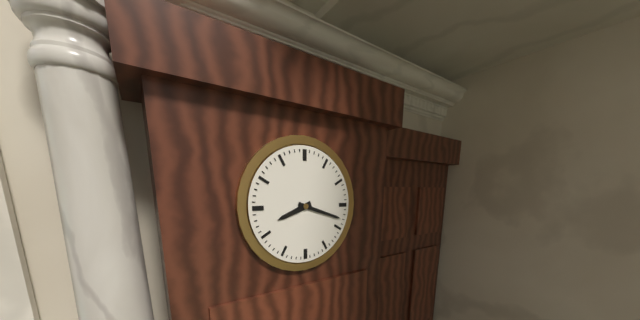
**8:18**
